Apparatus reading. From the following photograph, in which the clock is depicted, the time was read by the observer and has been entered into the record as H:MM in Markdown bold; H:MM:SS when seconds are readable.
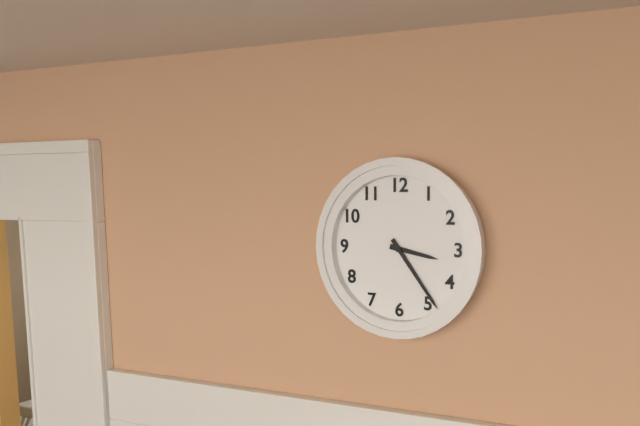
**3:24**
